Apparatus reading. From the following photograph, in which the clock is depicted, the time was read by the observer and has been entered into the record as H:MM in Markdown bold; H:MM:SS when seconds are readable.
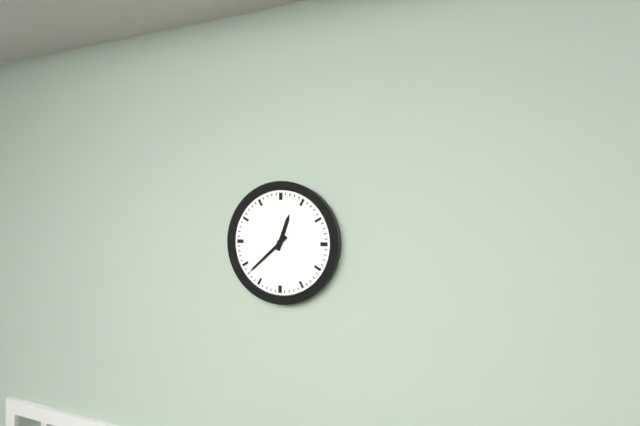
**12:38**
